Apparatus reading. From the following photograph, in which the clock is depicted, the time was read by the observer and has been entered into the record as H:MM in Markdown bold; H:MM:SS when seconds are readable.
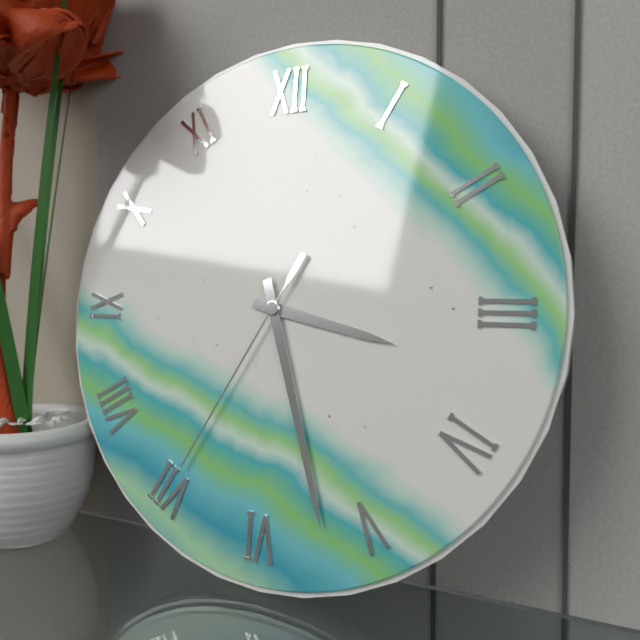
**3:27:35**
